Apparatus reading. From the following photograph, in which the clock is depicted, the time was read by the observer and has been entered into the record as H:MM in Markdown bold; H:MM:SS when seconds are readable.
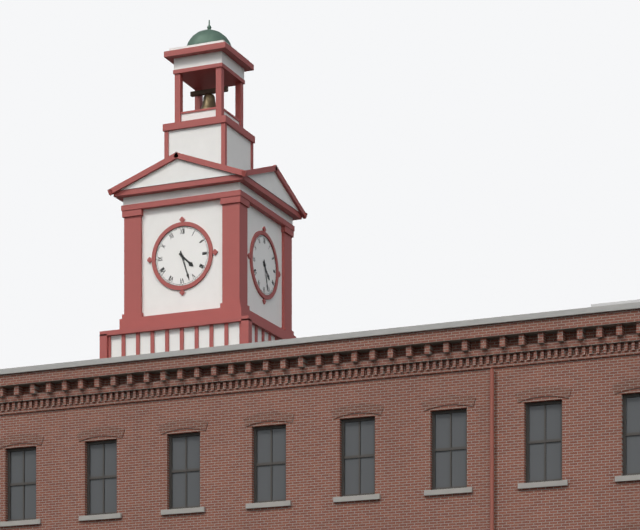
**4:27**
